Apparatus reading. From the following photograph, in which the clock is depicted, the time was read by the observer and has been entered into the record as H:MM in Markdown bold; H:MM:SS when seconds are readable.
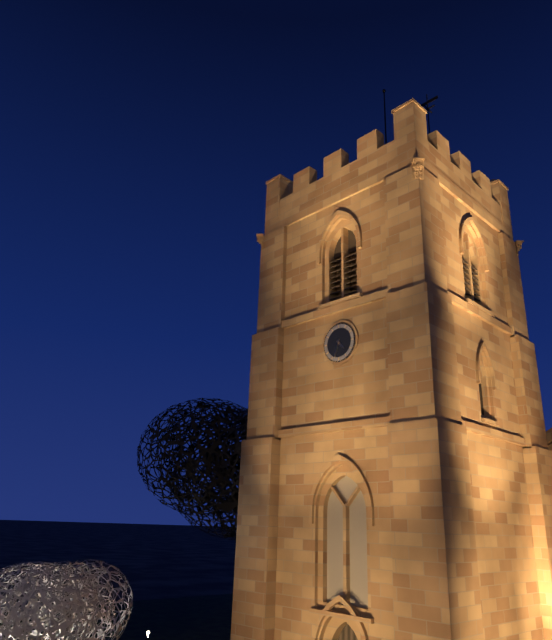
**4:33**
